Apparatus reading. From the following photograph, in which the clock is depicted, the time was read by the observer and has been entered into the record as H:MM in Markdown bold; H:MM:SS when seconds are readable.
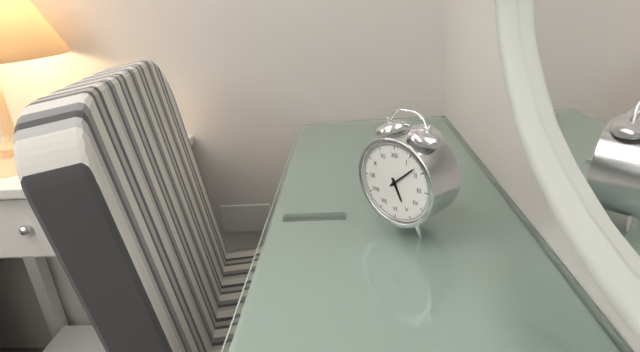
**5:08**
